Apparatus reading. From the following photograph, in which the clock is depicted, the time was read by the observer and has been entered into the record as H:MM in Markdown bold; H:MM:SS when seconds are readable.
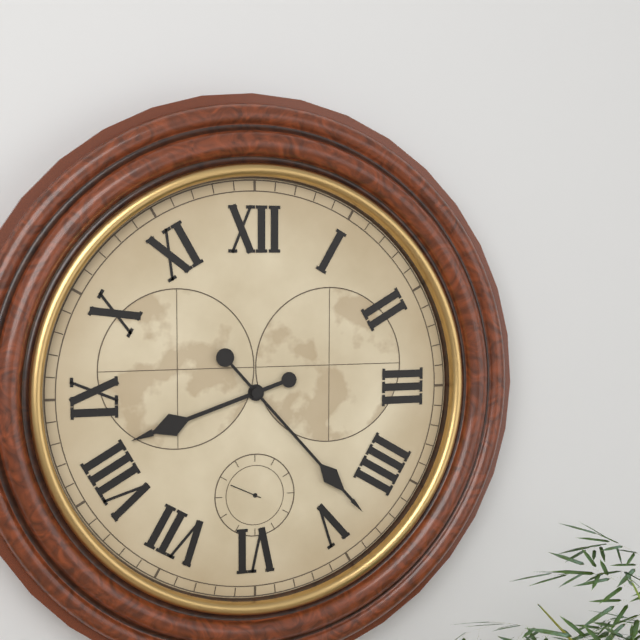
**8:23**
